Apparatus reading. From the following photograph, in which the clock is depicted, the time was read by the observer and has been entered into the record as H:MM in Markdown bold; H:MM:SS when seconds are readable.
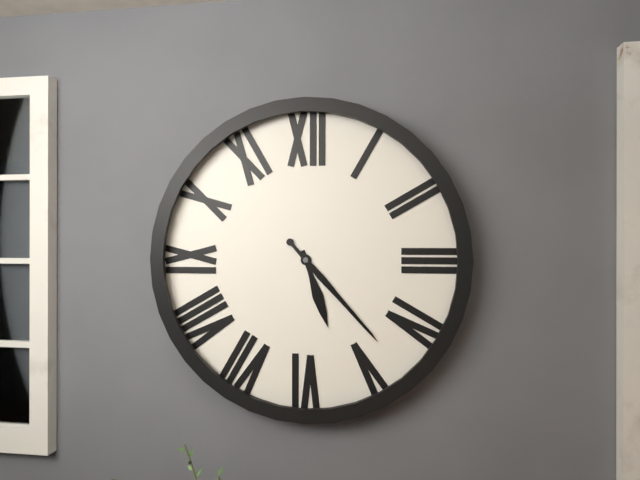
**5:23**
